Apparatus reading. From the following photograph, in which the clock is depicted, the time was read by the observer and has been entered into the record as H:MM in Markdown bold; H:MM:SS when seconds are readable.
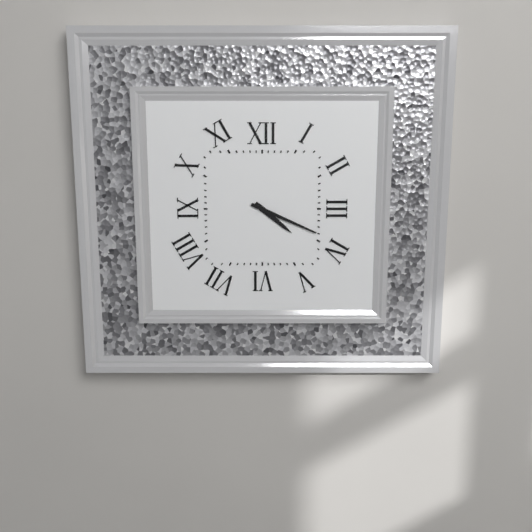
**4:19**
